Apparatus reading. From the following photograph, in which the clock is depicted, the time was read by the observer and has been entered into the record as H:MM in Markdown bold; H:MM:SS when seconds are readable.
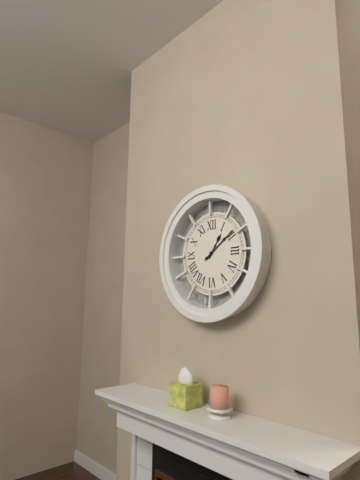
**1:09**
